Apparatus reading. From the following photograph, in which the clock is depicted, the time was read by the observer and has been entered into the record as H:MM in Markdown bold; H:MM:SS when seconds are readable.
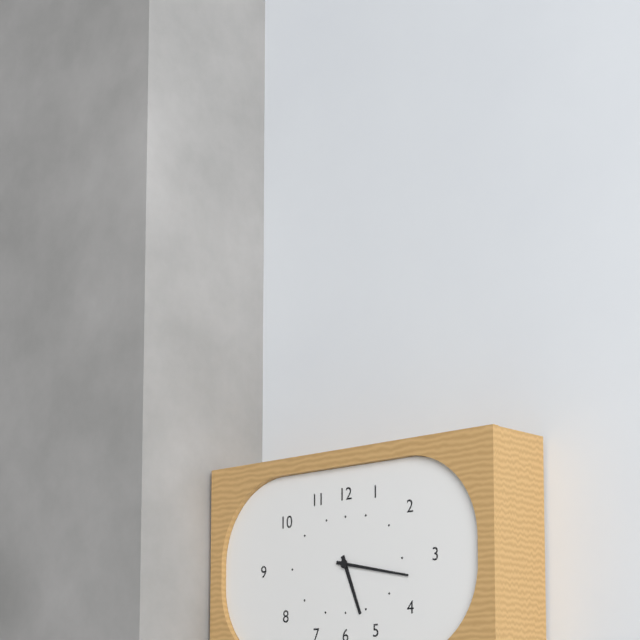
**5:17**
